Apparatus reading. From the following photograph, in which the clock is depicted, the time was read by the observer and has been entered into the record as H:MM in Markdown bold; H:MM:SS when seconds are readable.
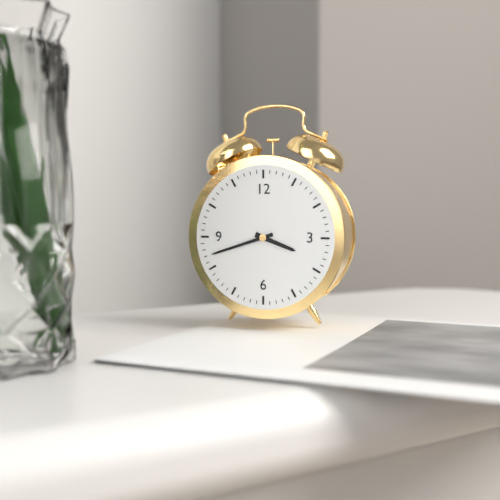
**3:42**
